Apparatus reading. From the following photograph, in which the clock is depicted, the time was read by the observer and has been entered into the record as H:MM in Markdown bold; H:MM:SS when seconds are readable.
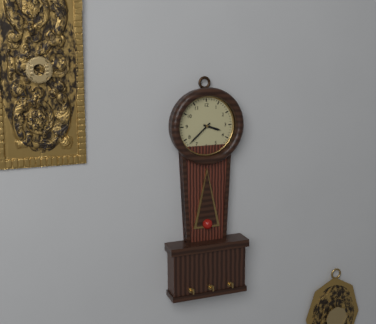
**3:38**
